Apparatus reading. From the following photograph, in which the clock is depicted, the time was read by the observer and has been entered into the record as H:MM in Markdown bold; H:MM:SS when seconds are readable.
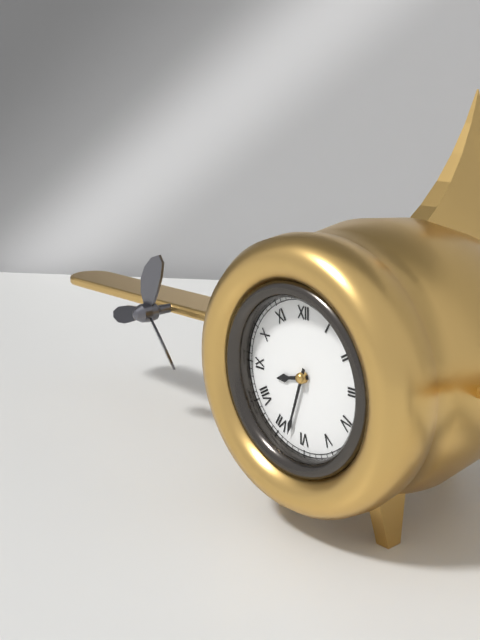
**8:33**
